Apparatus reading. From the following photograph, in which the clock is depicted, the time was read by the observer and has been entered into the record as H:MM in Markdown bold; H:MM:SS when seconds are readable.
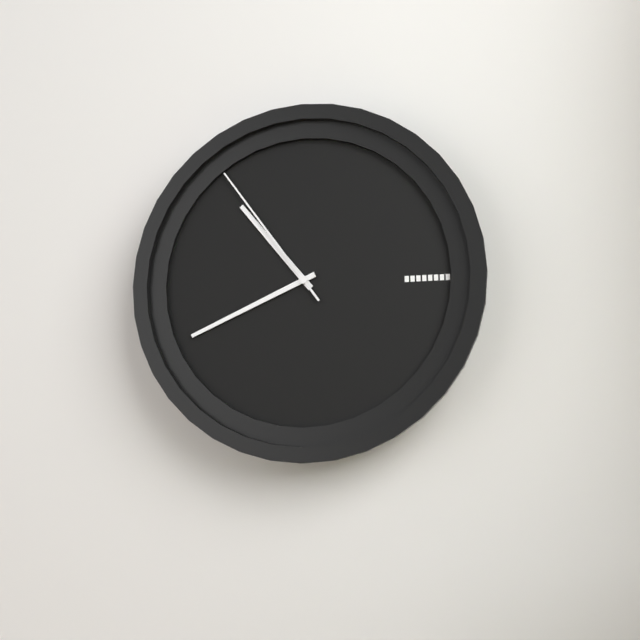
**10:41:54**
